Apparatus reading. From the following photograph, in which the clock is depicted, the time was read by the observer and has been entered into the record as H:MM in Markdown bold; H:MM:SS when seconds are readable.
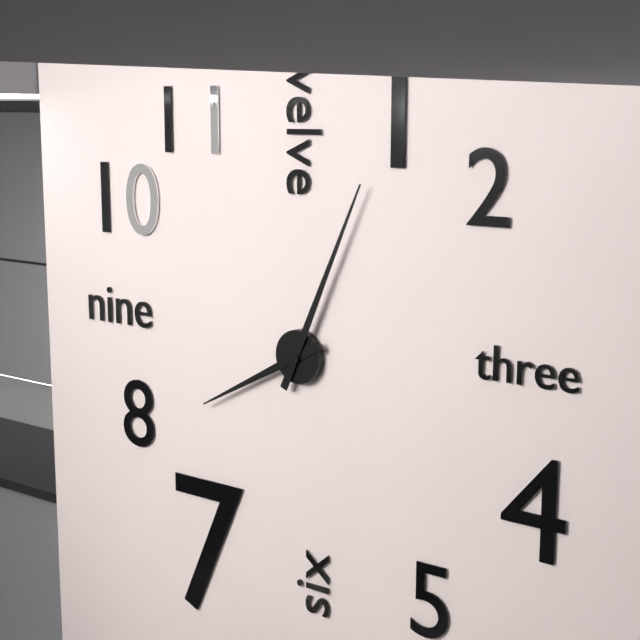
**8:04**
